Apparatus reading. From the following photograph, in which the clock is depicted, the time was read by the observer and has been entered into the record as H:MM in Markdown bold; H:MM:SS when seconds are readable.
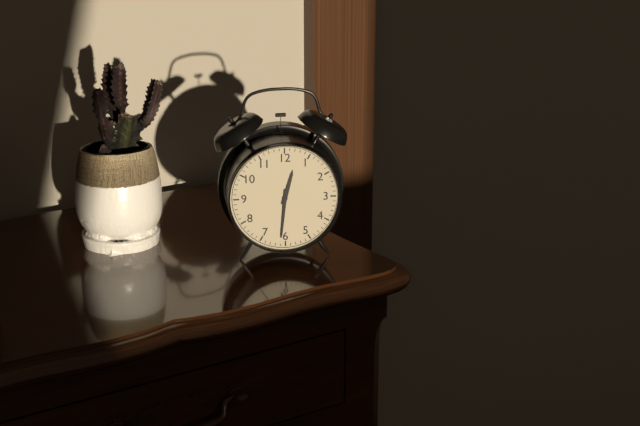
**12:31**
